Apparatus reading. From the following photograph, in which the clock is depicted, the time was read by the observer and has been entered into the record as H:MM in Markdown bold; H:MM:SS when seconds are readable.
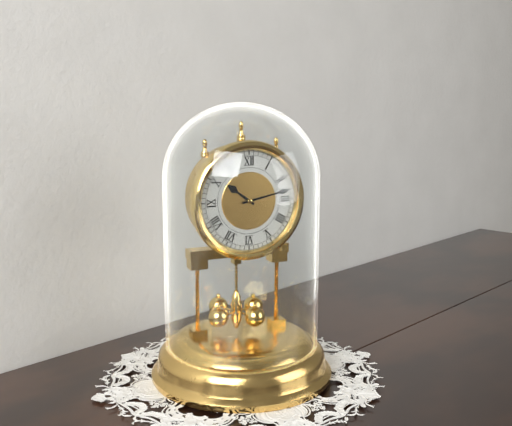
**10:13**
